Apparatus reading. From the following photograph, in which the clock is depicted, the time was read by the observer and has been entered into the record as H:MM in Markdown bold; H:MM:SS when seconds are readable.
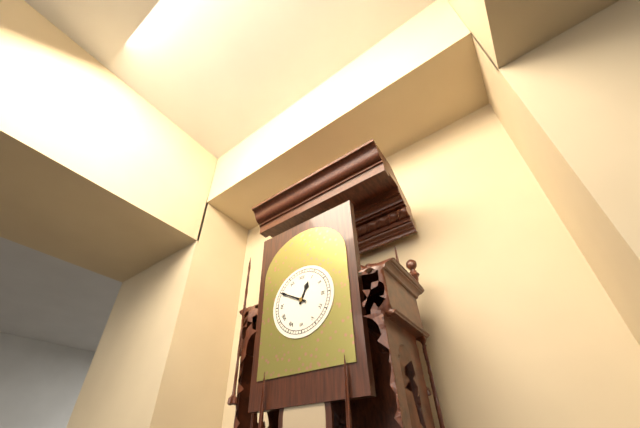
**12:50**
